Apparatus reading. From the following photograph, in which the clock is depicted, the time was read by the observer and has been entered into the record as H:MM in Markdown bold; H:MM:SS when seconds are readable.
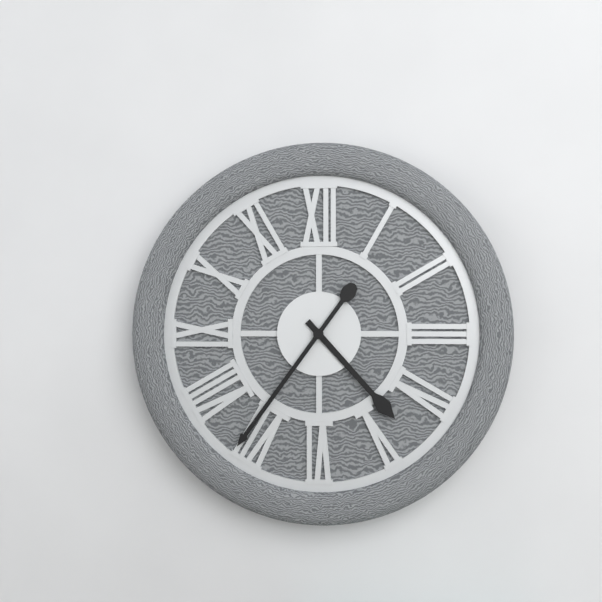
**4:36**
